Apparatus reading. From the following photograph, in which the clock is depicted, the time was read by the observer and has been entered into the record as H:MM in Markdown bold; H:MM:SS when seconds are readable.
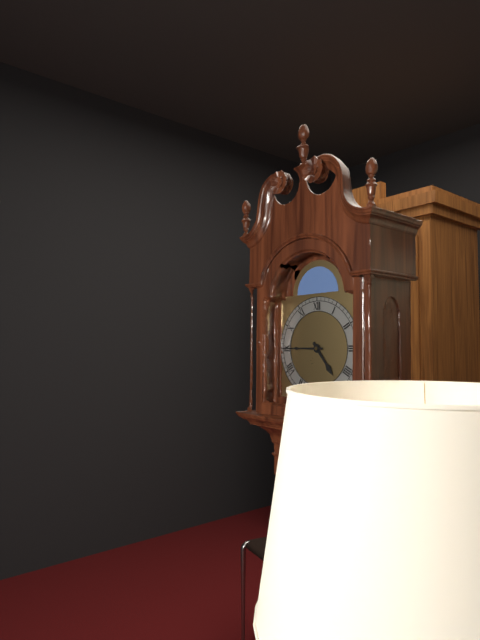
**4:45**
